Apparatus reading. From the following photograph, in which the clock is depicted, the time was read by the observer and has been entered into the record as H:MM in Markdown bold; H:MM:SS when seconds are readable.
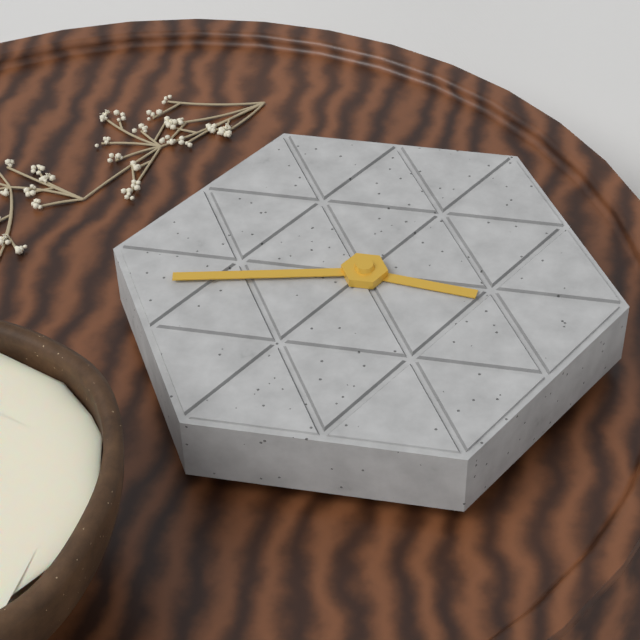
**9:13**
